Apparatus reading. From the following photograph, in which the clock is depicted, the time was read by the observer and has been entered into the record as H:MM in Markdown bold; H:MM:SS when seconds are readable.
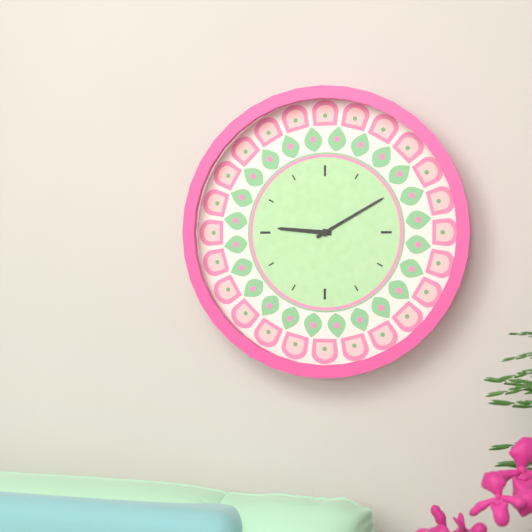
**9:10**
